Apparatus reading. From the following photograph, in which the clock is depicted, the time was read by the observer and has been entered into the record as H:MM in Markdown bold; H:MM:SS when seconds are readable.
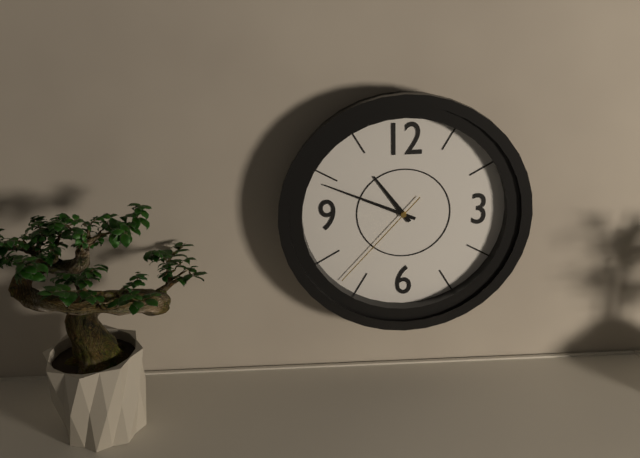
**10:49:37**
